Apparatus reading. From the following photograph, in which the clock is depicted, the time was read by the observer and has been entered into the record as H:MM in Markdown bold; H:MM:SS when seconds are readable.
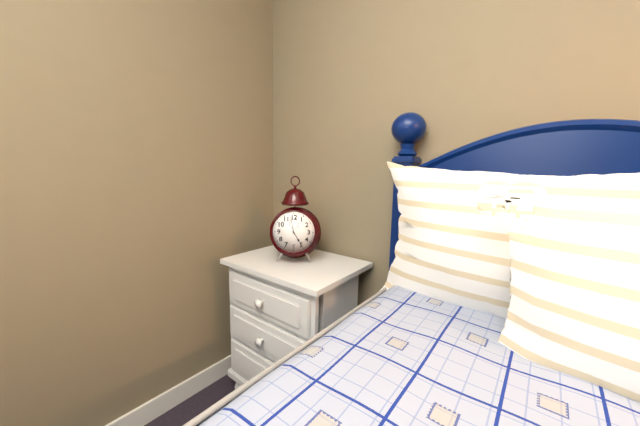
**4:58**
